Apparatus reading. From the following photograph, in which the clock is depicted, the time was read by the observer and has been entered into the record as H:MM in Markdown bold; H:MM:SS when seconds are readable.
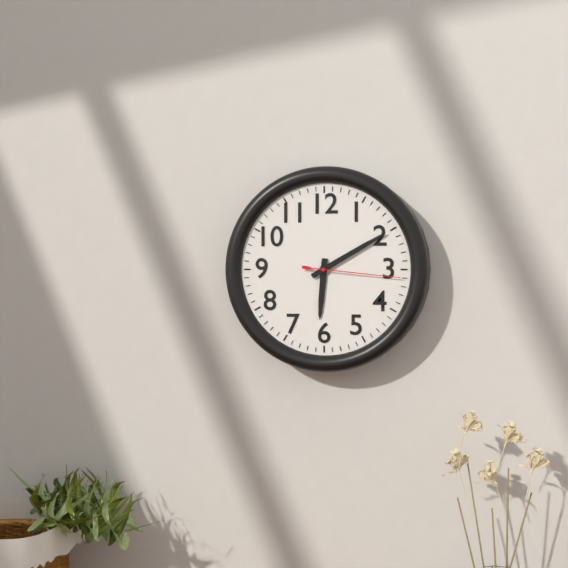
**6:10:16**
